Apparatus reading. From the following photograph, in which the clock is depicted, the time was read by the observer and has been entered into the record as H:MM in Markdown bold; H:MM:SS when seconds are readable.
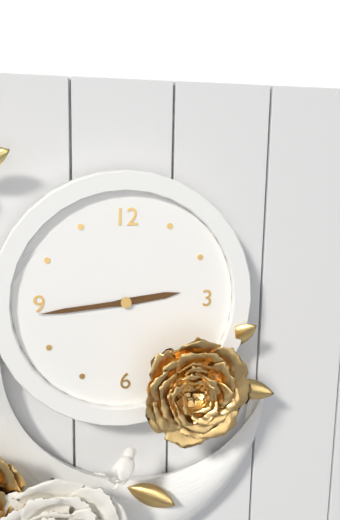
**2:44**
